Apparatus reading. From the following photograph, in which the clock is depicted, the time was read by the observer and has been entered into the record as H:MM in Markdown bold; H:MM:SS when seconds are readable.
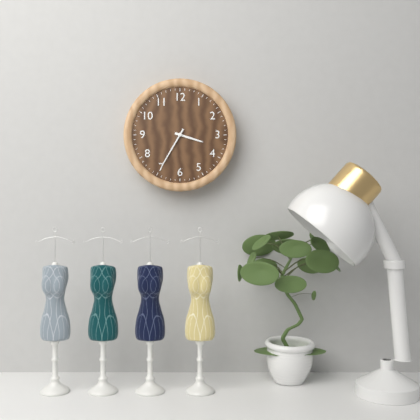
**3:35**
